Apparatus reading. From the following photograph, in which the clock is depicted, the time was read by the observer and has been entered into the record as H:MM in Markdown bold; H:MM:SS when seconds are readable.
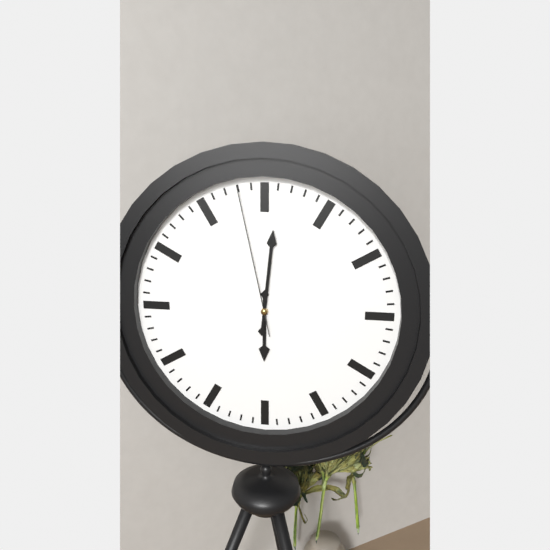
**6:01:58**
